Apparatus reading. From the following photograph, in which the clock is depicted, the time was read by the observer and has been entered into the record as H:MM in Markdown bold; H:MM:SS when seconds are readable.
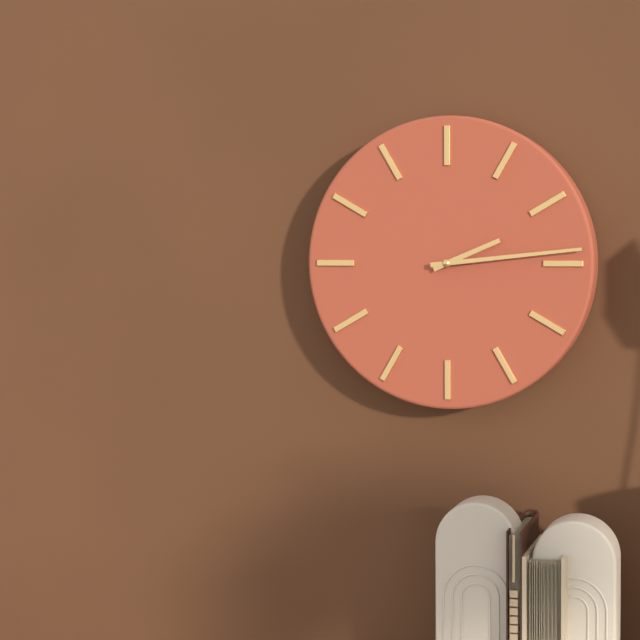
**2:14**
